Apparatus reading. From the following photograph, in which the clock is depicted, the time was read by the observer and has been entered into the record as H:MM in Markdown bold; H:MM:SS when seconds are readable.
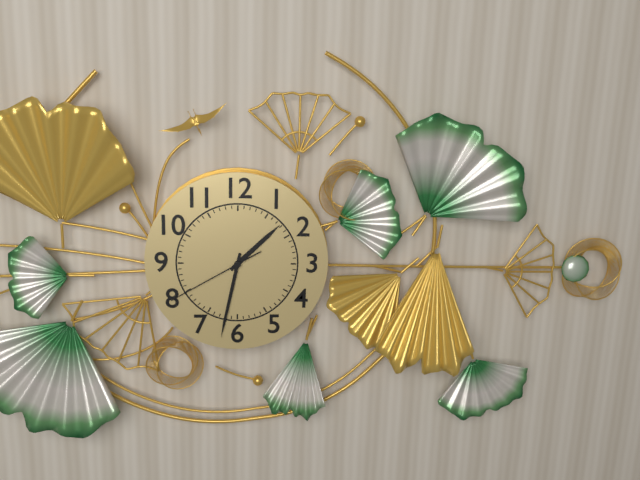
**1:32:40**
